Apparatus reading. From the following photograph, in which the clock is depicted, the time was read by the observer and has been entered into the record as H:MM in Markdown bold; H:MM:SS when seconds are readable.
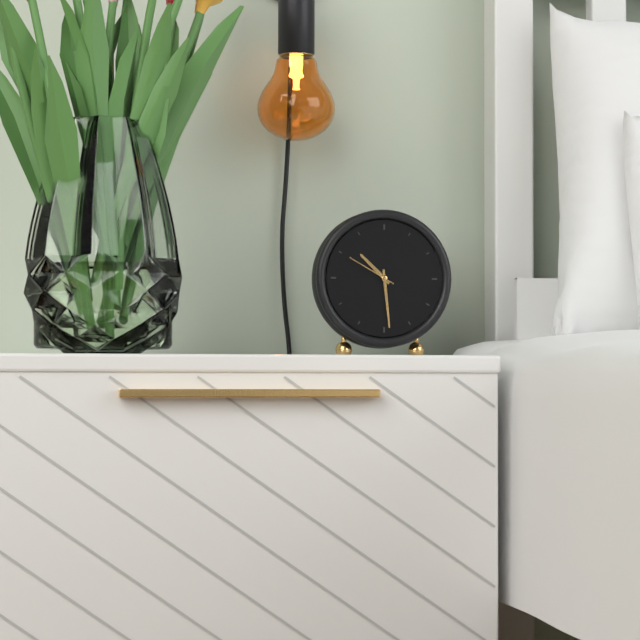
**10:29:50**
